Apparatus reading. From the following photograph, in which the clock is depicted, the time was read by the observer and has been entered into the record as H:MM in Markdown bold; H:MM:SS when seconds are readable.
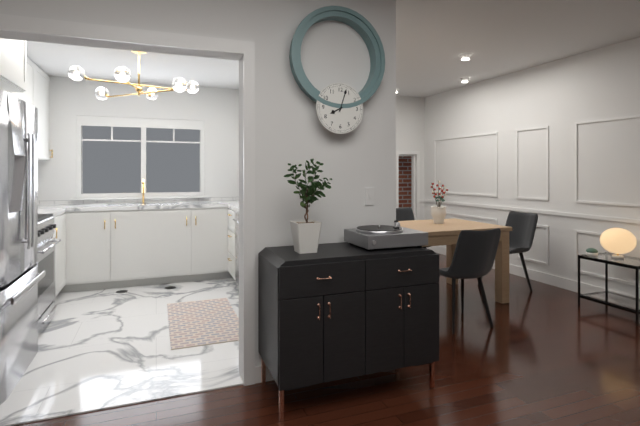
**8:03**
